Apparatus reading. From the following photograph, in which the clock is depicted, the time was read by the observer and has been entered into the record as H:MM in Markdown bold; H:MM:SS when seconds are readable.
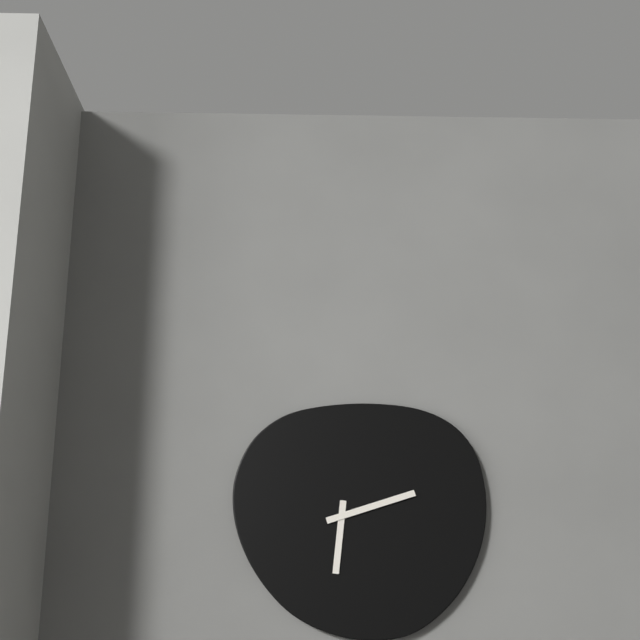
**6:12**
